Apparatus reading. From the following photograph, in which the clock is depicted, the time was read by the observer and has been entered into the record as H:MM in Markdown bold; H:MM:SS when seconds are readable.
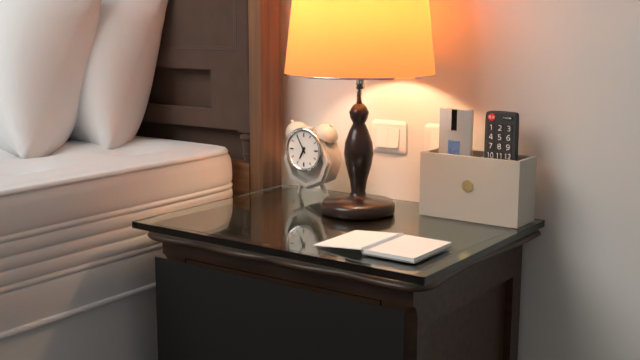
**6:55**
